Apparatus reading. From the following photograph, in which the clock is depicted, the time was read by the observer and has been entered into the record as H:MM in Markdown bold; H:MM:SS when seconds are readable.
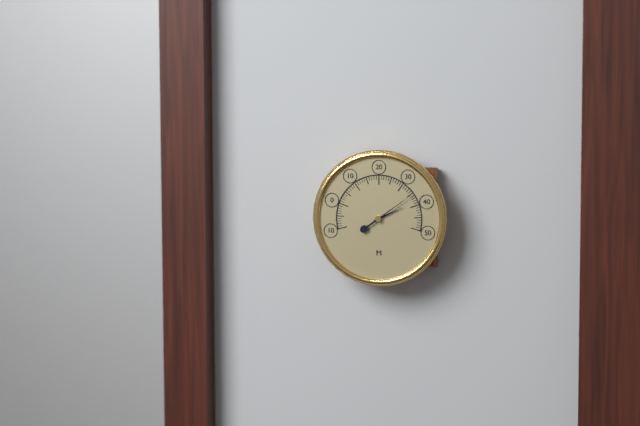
**2:09**
